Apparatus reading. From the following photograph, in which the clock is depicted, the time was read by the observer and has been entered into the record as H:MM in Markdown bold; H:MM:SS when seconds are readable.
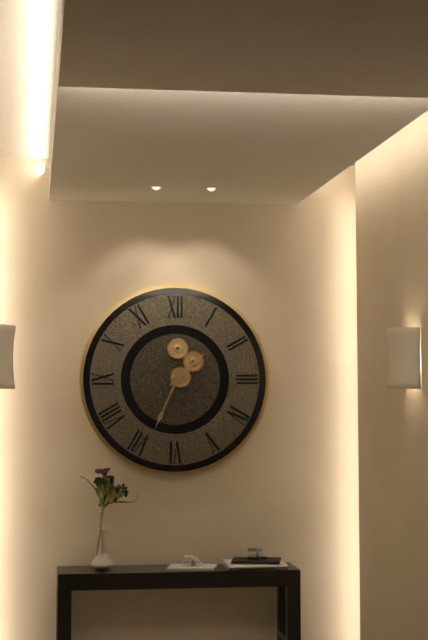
**1:34**
